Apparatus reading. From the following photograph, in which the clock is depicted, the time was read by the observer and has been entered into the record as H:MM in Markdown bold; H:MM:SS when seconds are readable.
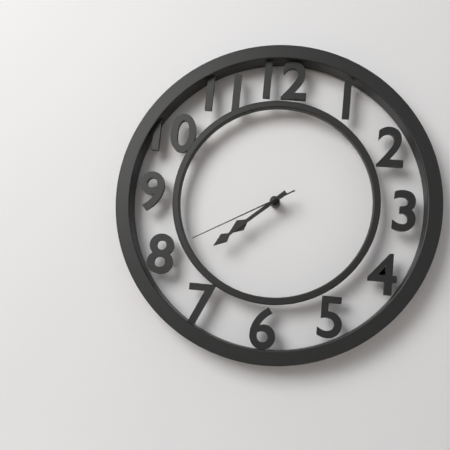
**7:38:40**
